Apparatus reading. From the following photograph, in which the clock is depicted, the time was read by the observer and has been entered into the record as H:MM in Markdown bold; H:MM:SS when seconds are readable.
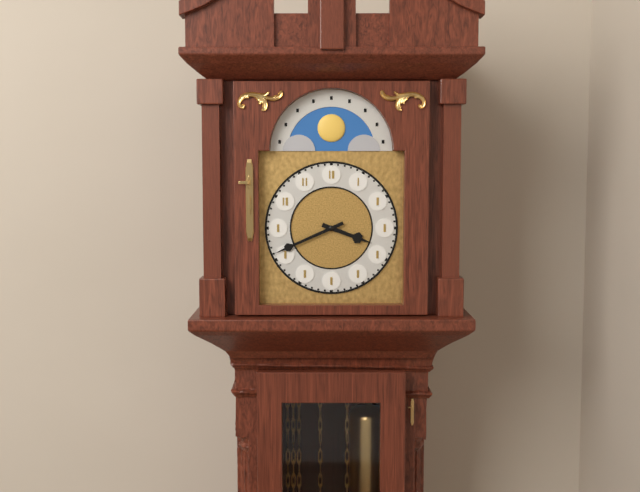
**3:41**
